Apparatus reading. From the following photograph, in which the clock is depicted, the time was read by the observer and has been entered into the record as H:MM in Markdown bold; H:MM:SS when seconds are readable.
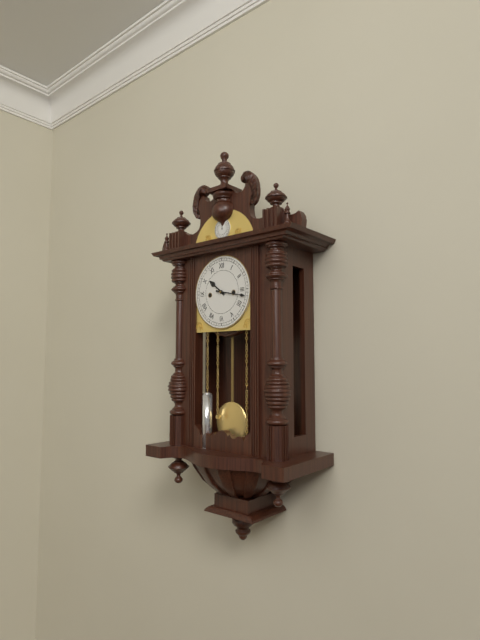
**10:17**
